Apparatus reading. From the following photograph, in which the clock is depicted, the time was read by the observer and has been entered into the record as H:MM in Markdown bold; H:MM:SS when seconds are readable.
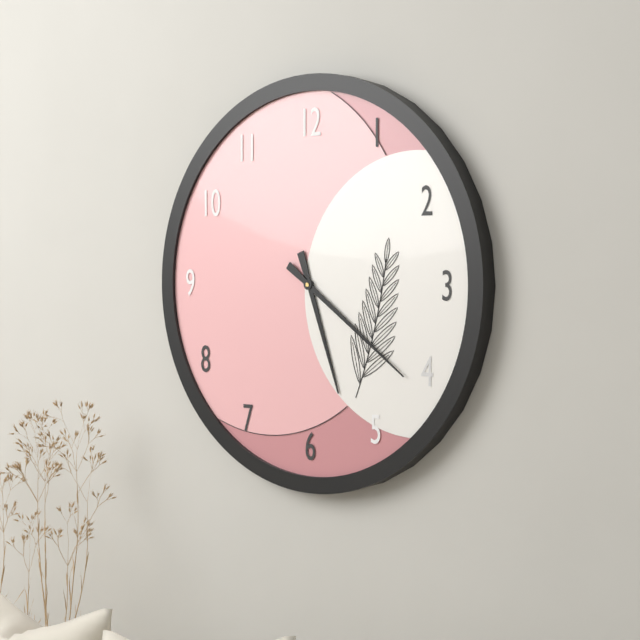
**5:21**
